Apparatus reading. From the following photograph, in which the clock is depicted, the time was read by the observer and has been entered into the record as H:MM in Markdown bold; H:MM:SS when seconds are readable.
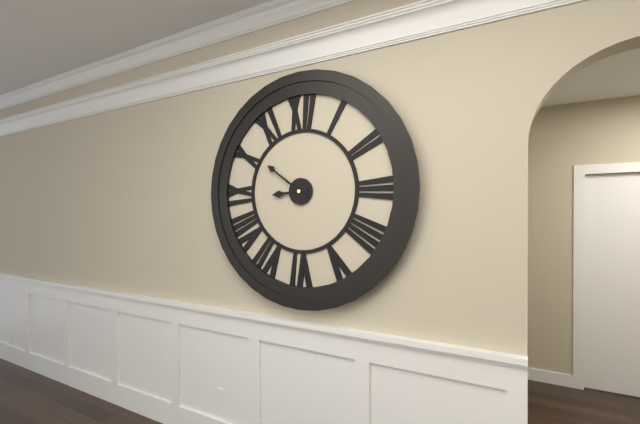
**8:51**
